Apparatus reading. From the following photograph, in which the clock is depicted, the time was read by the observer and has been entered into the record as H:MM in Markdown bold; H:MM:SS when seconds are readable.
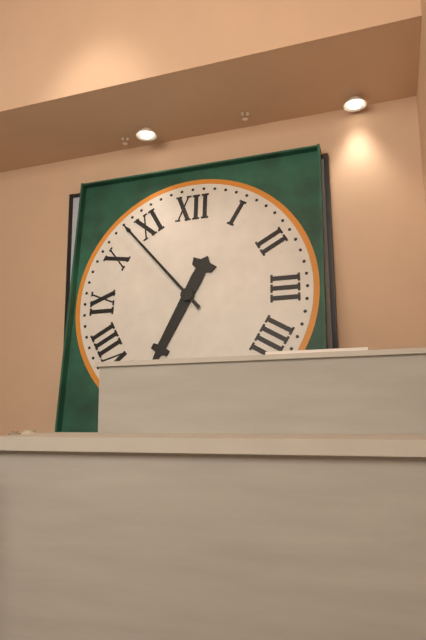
**6:53**
